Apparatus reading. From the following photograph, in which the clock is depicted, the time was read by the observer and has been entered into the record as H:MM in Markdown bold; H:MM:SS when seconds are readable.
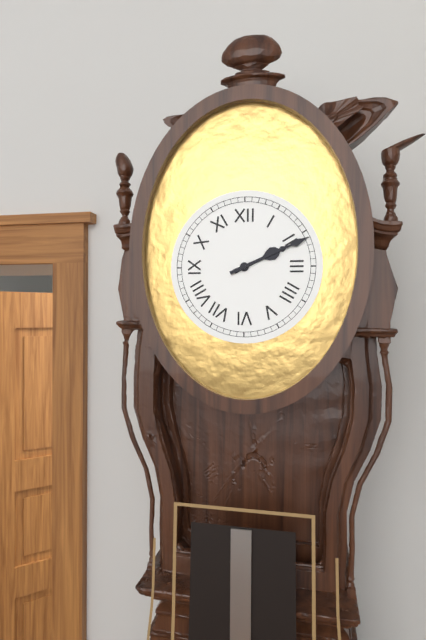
**2:11**
